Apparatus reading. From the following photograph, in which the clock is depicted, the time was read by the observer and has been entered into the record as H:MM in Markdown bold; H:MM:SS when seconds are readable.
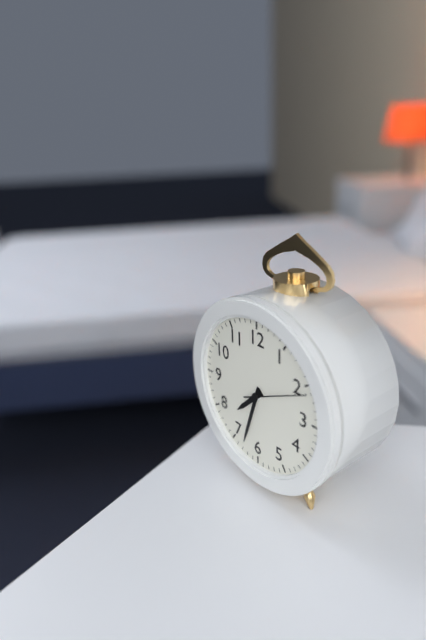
**7:33:11**
